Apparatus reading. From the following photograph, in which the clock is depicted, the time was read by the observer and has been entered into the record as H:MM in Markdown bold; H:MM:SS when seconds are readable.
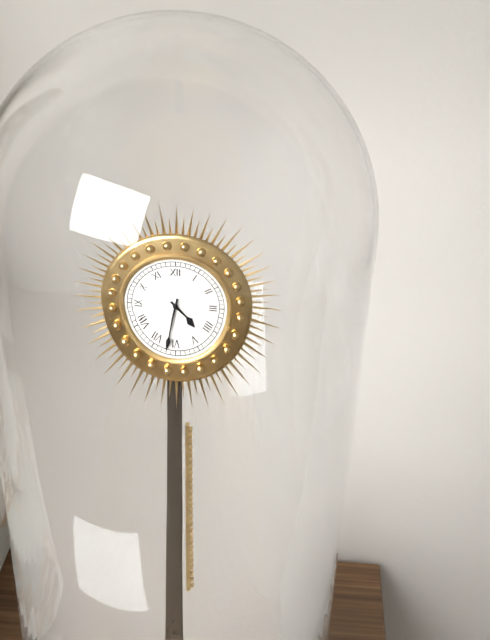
**4:32**
